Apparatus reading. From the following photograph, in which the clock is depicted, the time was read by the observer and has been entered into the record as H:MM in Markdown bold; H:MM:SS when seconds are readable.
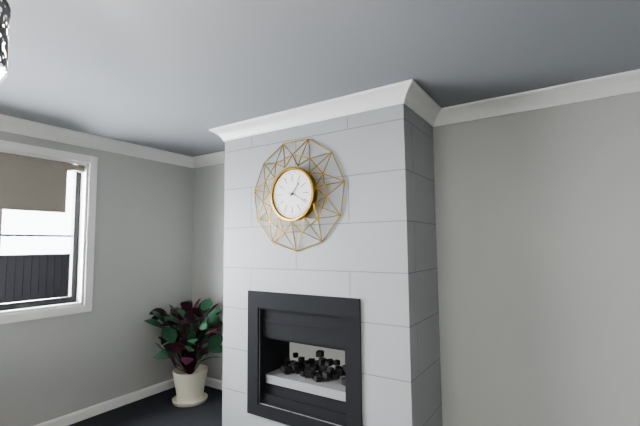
**1:19**
